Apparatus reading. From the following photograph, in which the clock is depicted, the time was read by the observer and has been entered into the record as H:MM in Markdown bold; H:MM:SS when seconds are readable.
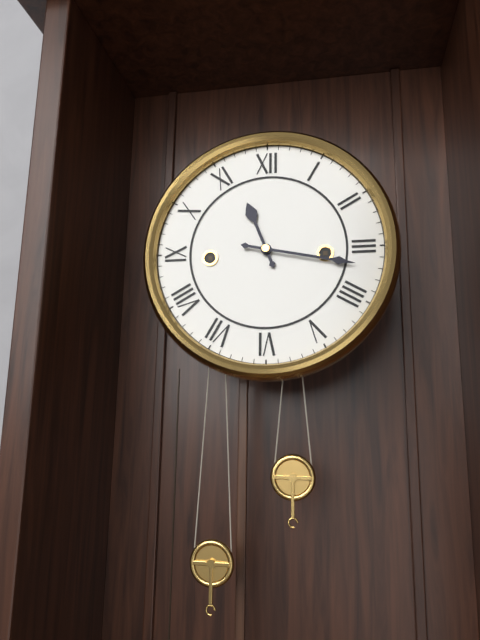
**11:17**
